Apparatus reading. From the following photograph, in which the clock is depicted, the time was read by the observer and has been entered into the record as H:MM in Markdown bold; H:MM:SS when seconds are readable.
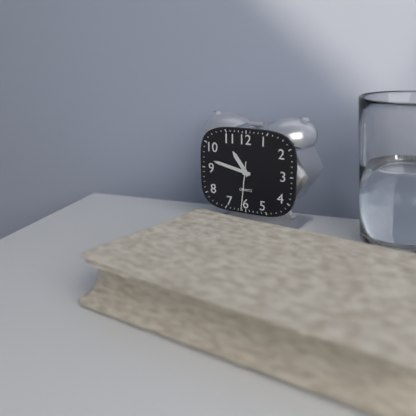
**10:47**
